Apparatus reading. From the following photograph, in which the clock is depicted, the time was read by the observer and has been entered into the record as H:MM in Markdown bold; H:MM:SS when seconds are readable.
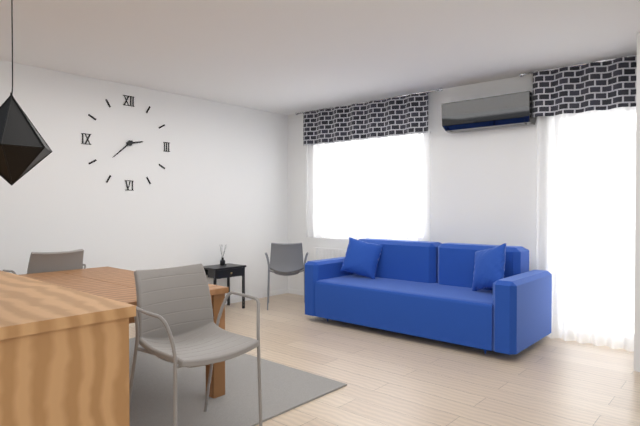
**2:38**
